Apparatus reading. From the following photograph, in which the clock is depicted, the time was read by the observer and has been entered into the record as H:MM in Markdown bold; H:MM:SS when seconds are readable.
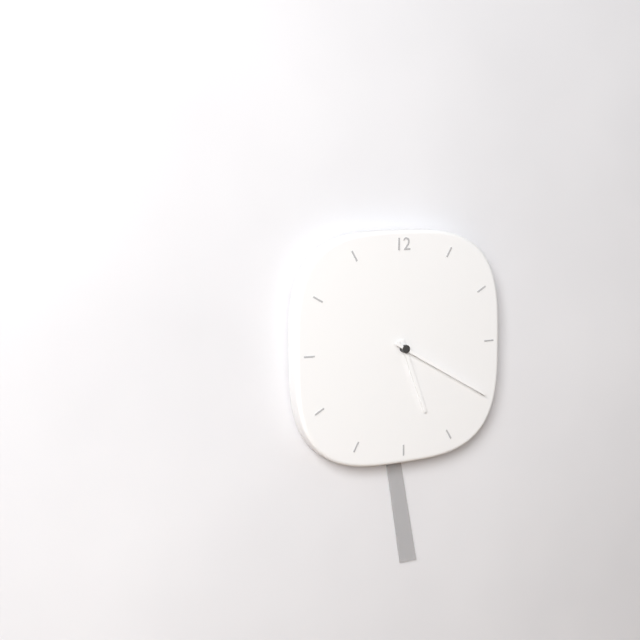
**5:20**
